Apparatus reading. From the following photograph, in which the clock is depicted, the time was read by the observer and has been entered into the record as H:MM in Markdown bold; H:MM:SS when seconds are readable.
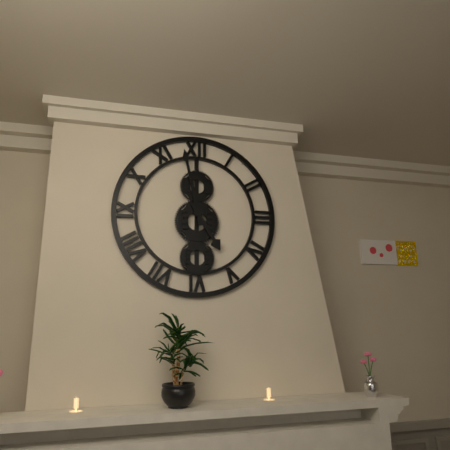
**4:58**
